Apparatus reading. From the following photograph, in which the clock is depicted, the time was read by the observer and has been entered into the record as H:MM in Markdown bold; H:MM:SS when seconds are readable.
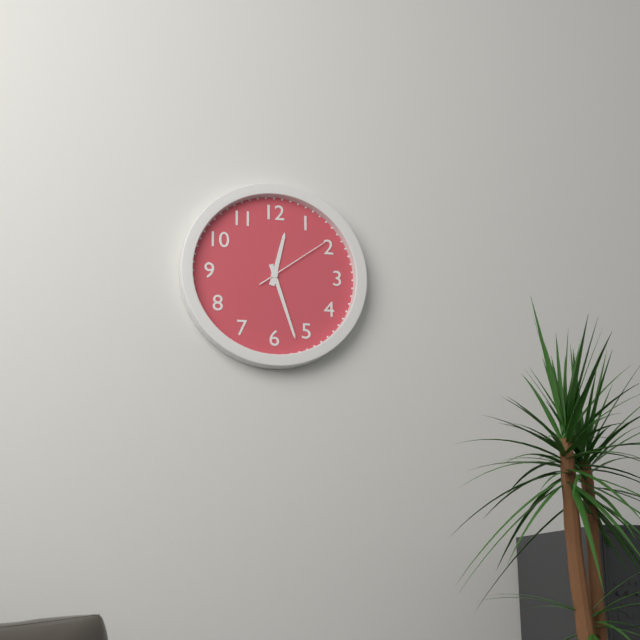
**12:27:09**
